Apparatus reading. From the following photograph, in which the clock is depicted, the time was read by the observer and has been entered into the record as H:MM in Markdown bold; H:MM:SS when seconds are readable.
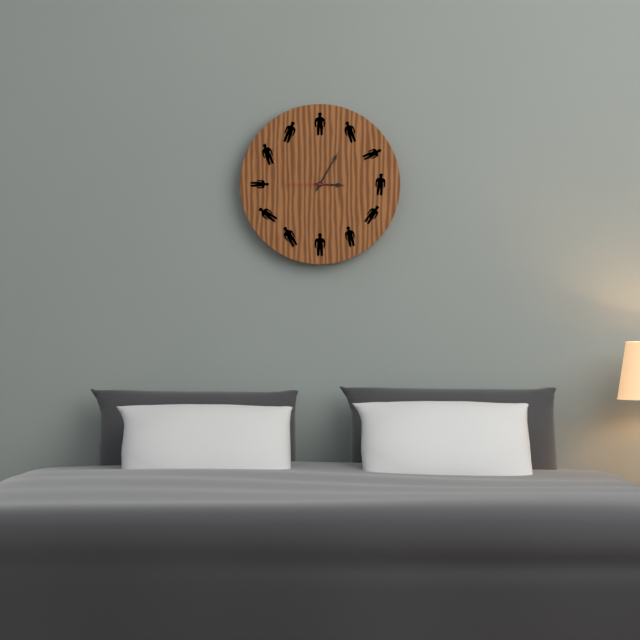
**3:05**
